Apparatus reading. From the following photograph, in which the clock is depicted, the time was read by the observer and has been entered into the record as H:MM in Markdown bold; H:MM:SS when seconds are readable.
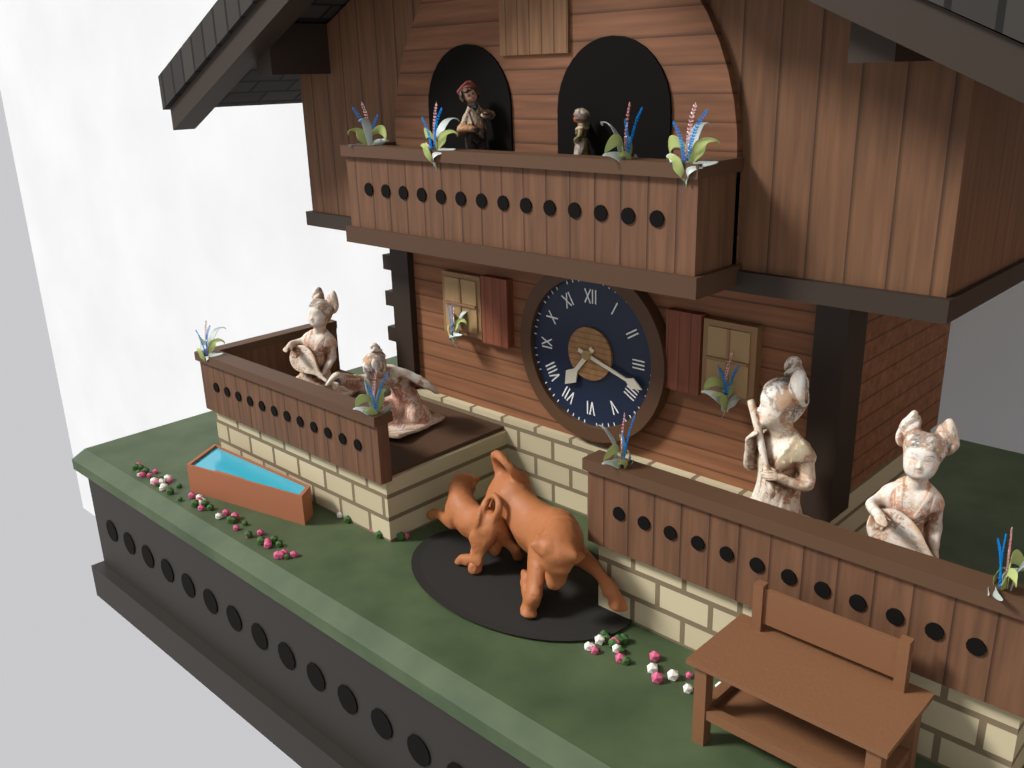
**7:18**
